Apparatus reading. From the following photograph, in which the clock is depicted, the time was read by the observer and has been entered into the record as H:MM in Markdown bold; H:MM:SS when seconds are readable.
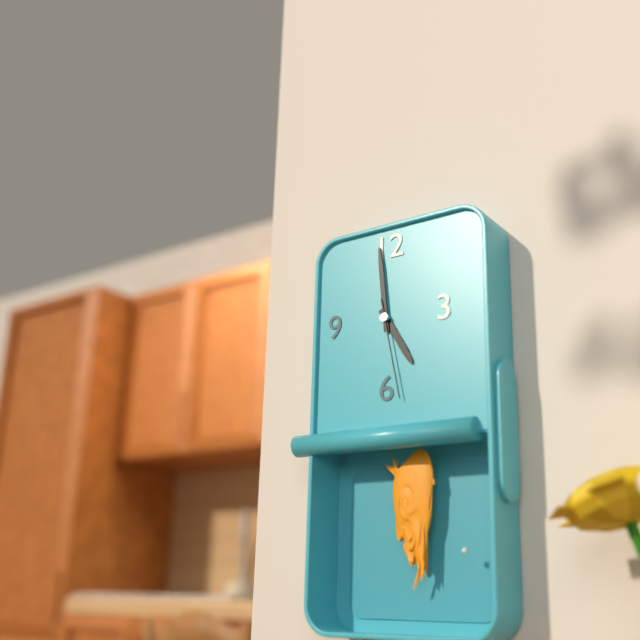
**4:59:28**
